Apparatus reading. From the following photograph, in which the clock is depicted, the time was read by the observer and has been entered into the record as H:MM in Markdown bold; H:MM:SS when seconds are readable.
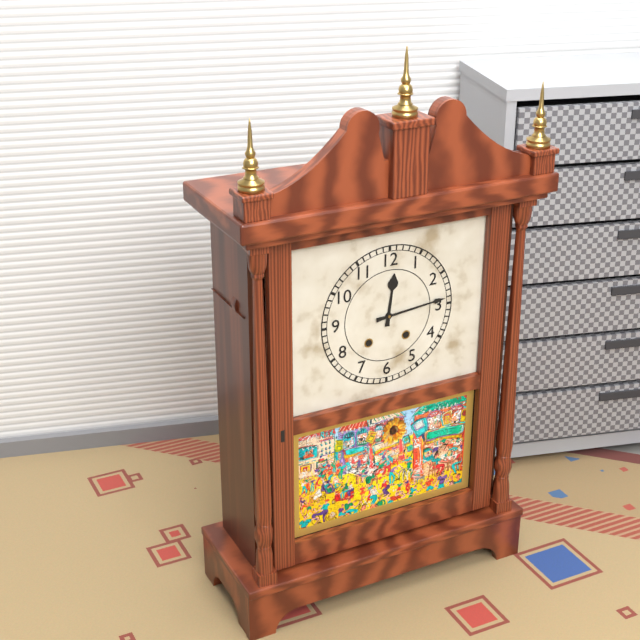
**12:14**
